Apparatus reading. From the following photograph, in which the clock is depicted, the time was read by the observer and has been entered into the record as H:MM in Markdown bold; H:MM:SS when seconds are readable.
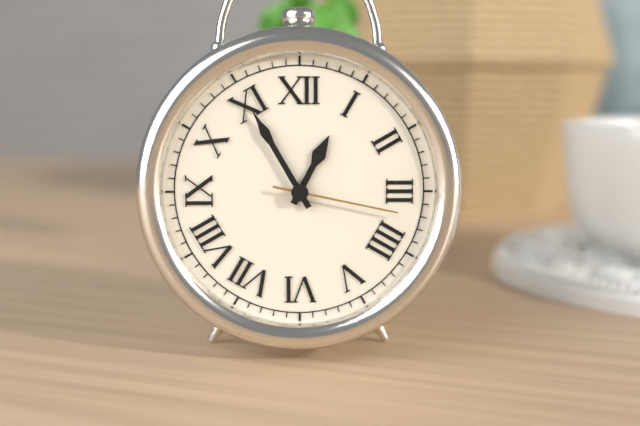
**12:55:17**
